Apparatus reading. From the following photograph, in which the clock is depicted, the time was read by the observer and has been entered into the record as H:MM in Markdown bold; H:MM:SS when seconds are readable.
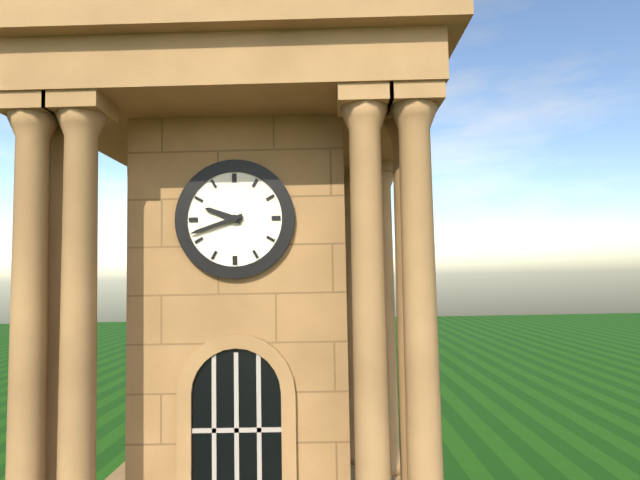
**9:42**
